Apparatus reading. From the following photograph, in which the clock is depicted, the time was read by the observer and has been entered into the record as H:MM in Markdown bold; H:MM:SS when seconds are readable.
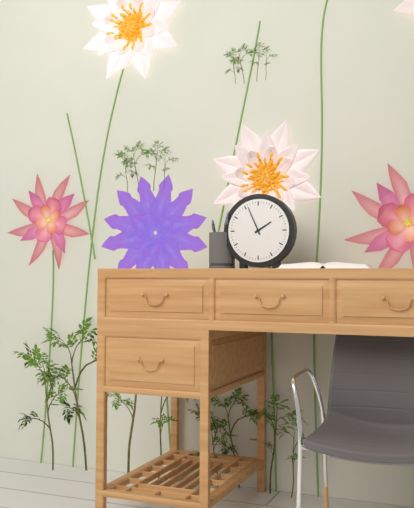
**1:56**
